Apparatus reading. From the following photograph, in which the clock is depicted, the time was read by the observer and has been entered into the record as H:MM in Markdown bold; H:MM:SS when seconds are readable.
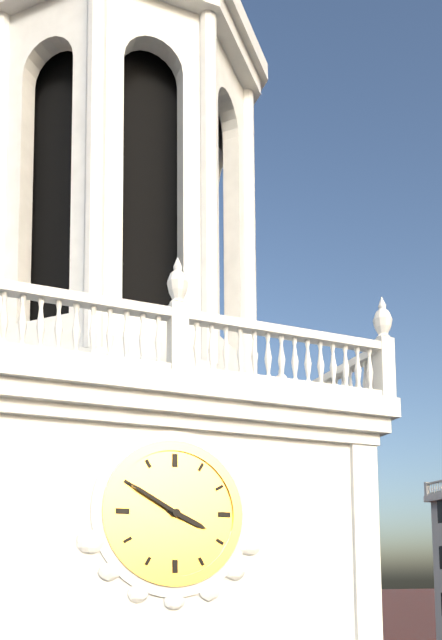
**3:50**
